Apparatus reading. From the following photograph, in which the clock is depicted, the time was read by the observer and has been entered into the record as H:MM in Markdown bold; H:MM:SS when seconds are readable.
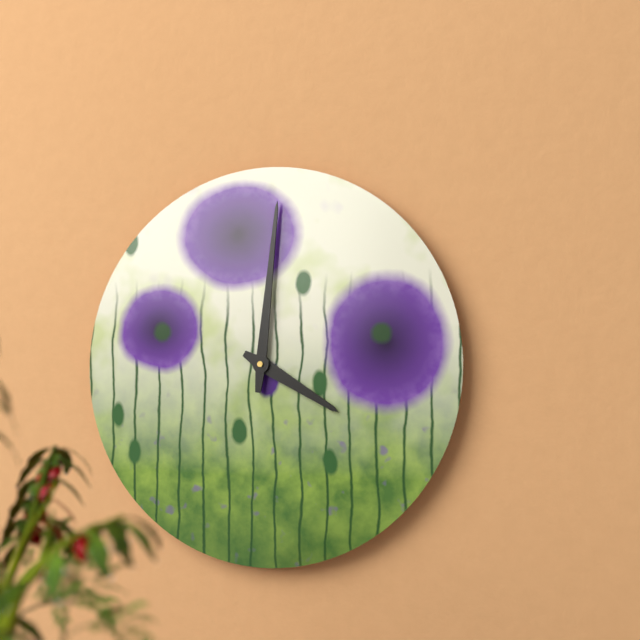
**4:01**
